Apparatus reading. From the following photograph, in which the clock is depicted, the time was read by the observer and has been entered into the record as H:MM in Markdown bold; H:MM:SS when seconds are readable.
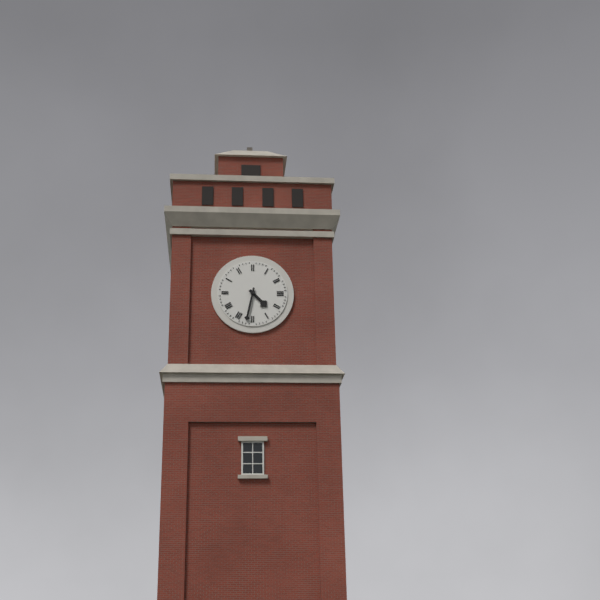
**4:32**
